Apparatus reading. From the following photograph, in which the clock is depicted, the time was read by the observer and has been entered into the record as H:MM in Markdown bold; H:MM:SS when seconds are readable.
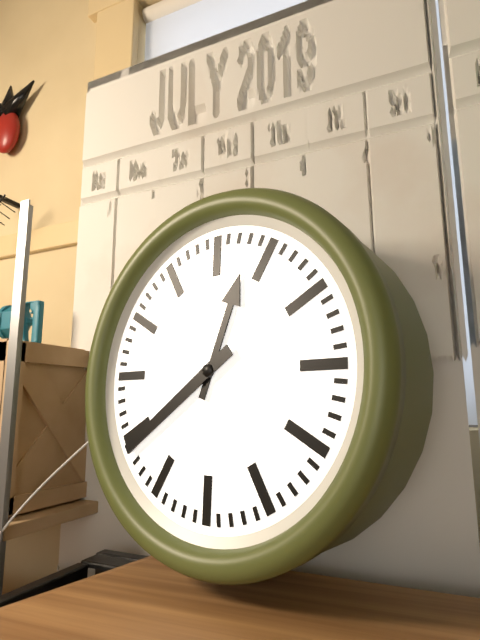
**12:39**
